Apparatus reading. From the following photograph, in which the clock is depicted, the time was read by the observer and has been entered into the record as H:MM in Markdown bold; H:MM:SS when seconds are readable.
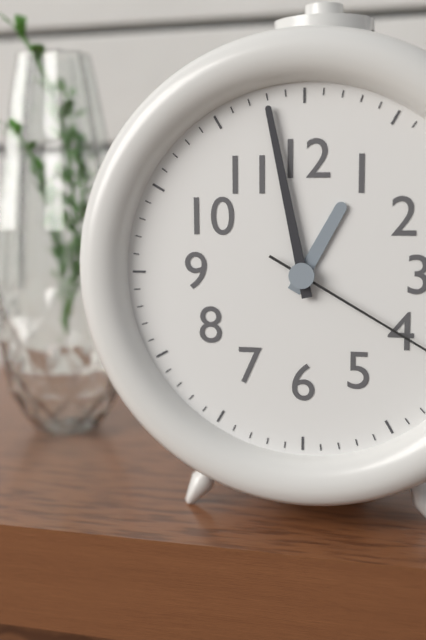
**12:58**
